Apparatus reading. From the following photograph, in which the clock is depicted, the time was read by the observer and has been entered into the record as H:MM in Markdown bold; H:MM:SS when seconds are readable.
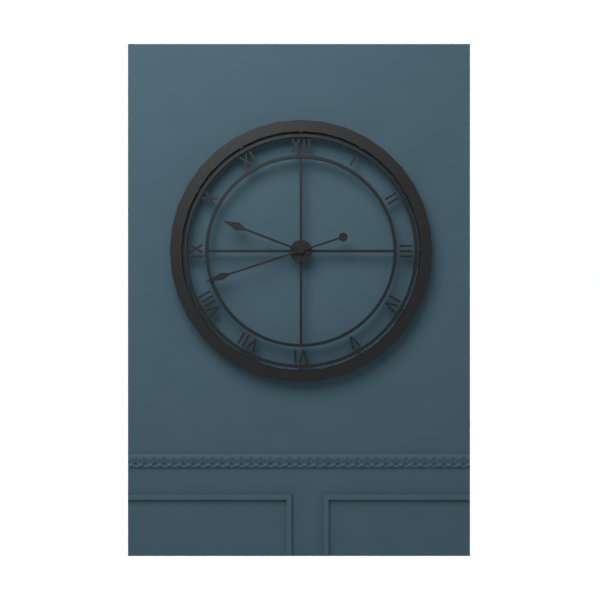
**9:42**
